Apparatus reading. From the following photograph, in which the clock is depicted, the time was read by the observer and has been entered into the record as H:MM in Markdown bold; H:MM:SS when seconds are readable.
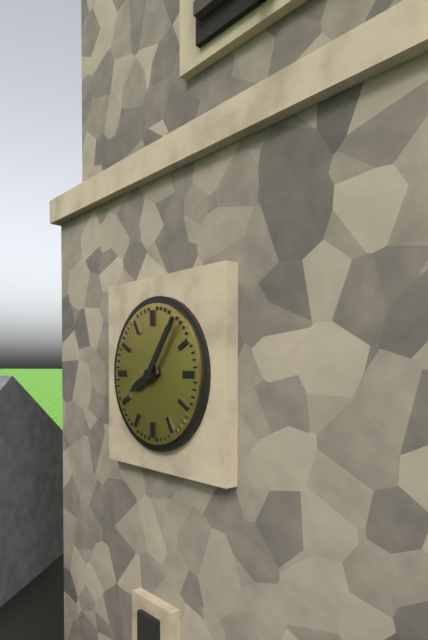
**8:06**
